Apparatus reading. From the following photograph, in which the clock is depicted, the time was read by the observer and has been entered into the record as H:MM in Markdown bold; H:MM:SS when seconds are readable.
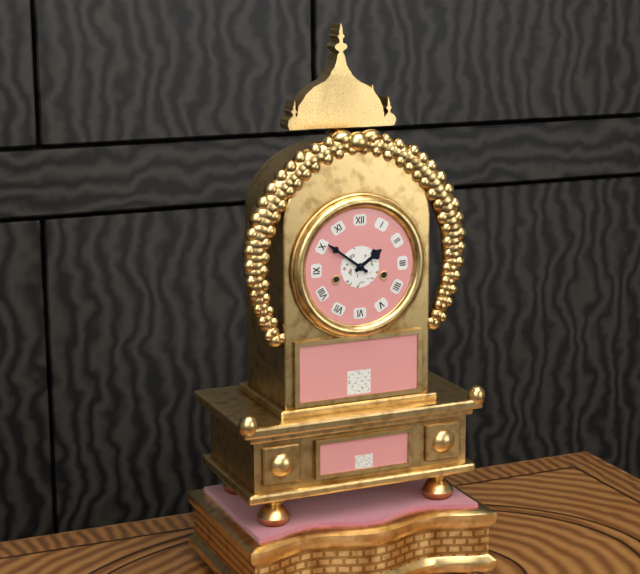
**1:51**
